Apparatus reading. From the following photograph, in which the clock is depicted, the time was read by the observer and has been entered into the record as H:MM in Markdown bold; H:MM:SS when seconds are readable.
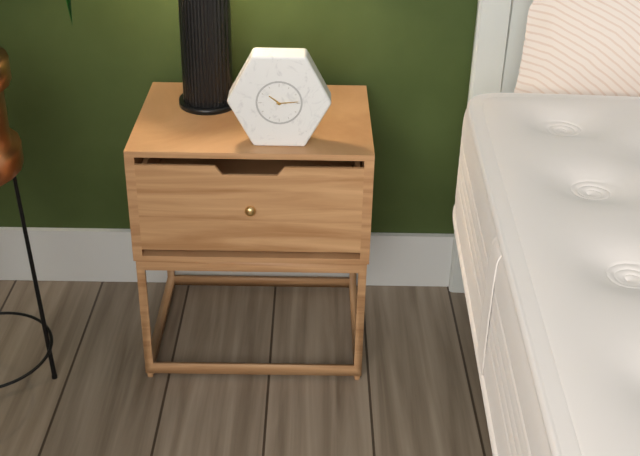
**10:14**
